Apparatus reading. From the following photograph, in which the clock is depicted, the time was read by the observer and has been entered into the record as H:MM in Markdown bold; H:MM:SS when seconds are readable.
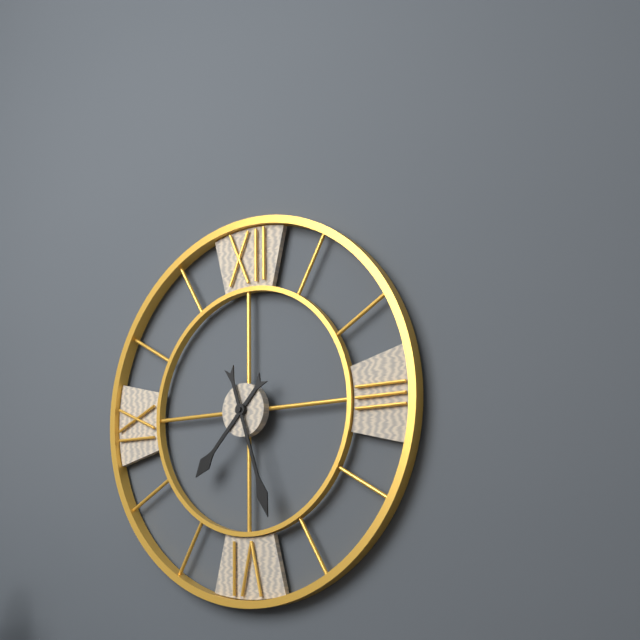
**7:27**
